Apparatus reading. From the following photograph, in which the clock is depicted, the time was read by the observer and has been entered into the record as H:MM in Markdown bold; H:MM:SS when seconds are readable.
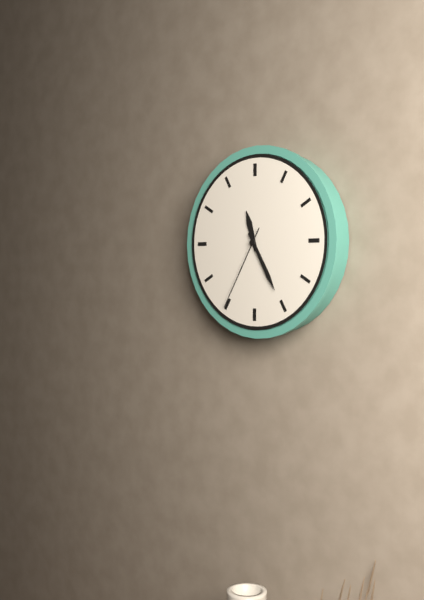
**11:25:35**
